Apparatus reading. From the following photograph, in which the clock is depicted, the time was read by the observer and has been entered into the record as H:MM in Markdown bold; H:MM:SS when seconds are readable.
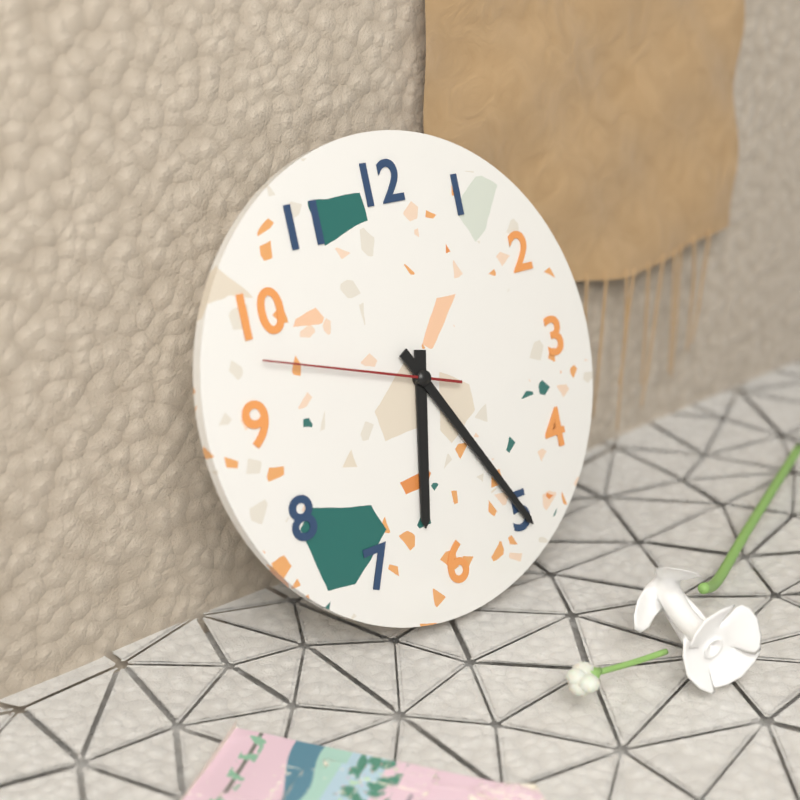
**6:25:48**
